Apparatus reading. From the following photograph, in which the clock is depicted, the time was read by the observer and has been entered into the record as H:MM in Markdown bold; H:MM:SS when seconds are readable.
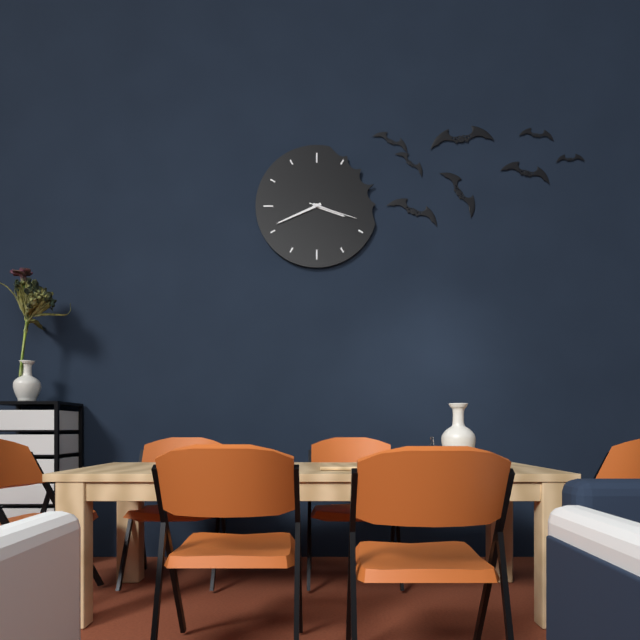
**3:41:18**
